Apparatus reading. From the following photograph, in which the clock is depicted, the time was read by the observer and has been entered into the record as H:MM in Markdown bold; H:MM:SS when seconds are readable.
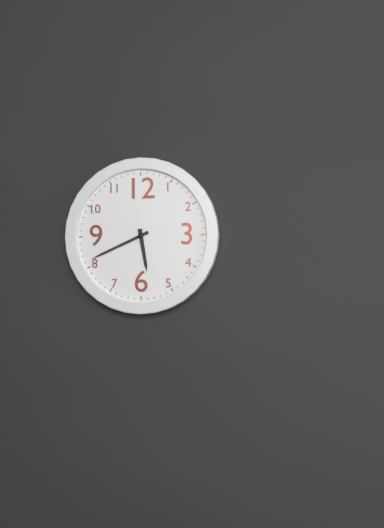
**5:41**
